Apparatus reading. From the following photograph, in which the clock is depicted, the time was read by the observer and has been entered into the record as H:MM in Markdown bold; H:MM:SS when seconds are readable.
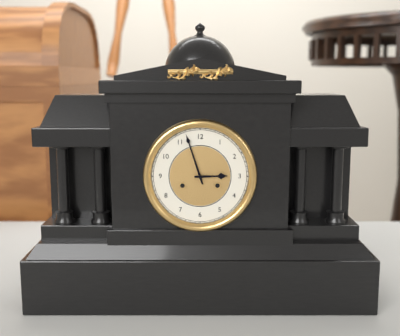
**2:57**
